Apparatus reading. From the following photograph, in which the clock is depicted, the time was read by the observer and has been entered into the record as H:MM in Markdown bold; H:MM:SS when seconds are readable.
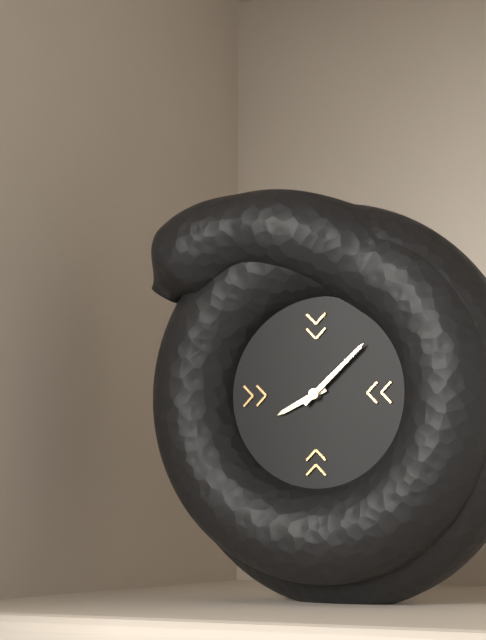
**8:08**
